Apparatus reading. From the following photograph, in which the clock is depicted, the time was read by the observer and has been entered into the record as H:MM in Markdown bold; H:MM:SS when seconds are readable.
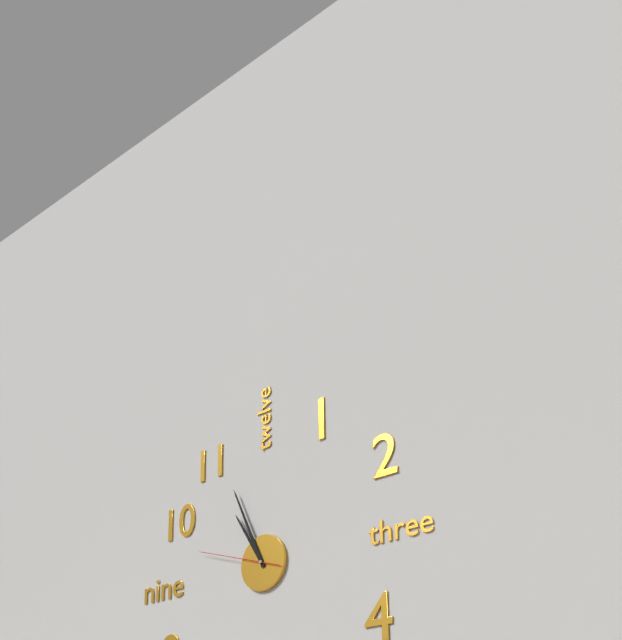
**10:56:48**
